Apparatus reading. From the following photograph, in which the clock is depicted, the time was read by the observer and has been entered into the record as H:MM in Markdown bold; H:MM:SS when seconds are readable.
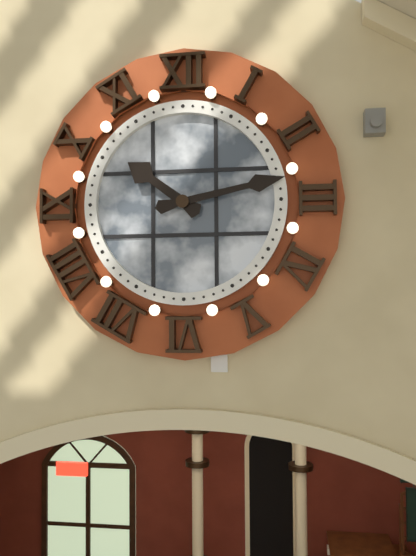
**10:13**
